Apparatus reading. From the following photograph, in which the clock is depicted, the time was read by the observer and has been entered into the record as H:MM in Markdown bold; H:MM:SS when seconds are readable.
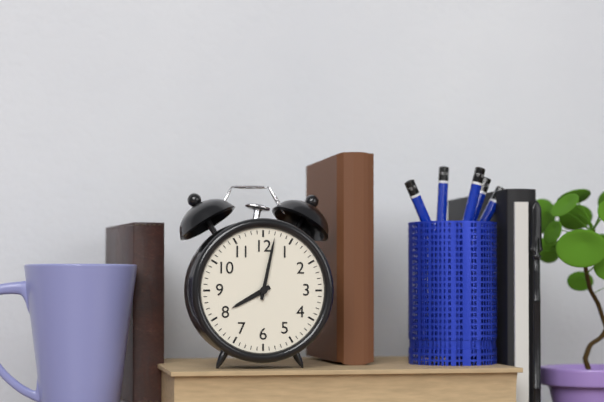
**8:02**
